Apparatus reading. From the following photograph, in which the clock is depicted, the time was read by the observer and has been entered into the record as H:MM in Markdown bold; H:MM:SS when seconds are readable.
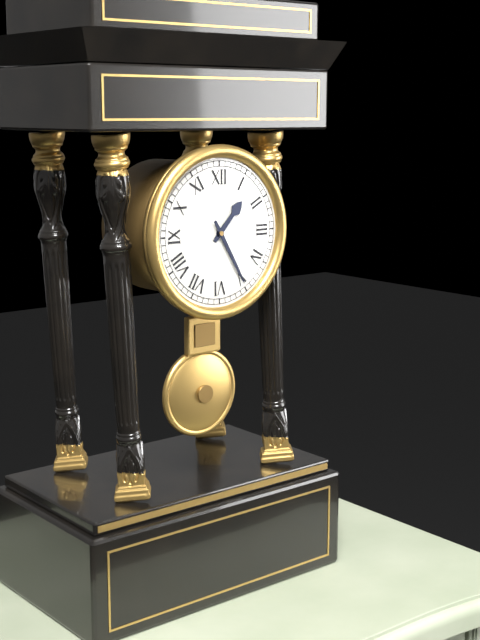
**1:25**
